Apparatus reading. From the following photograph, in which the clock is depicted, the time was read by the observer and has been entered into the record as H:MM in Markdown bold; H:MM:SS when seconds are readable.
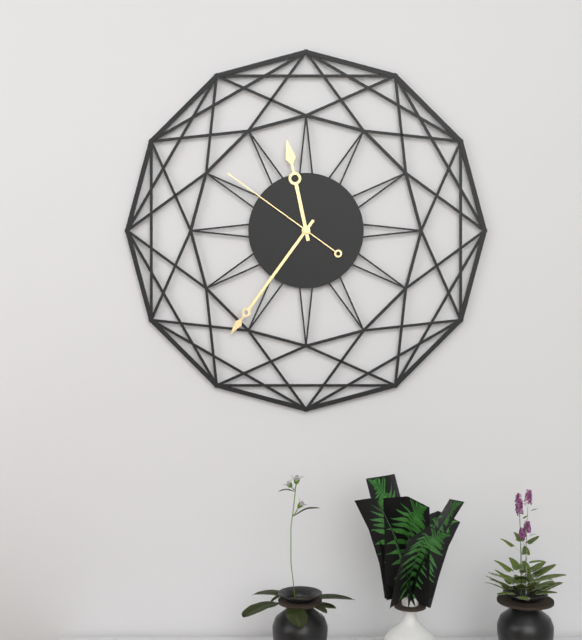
**11:36:51**
